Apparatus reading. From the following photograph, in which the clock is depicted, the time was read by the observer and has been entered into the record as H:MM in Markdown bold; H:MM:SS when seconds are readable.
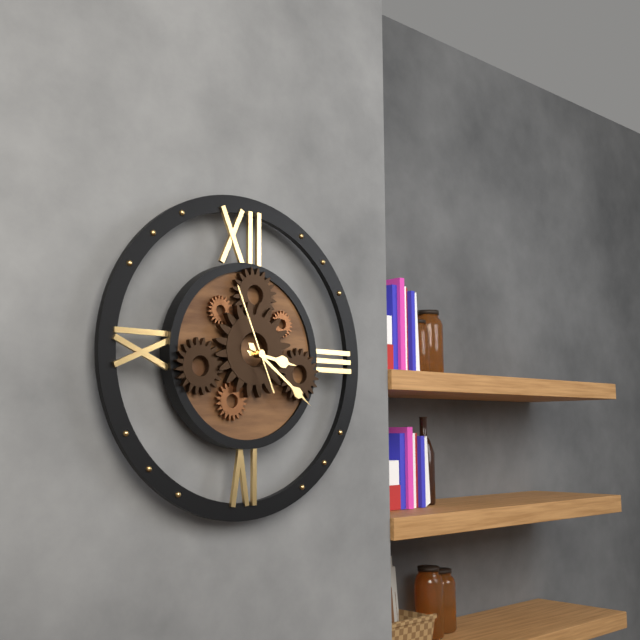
**3:21:56**
